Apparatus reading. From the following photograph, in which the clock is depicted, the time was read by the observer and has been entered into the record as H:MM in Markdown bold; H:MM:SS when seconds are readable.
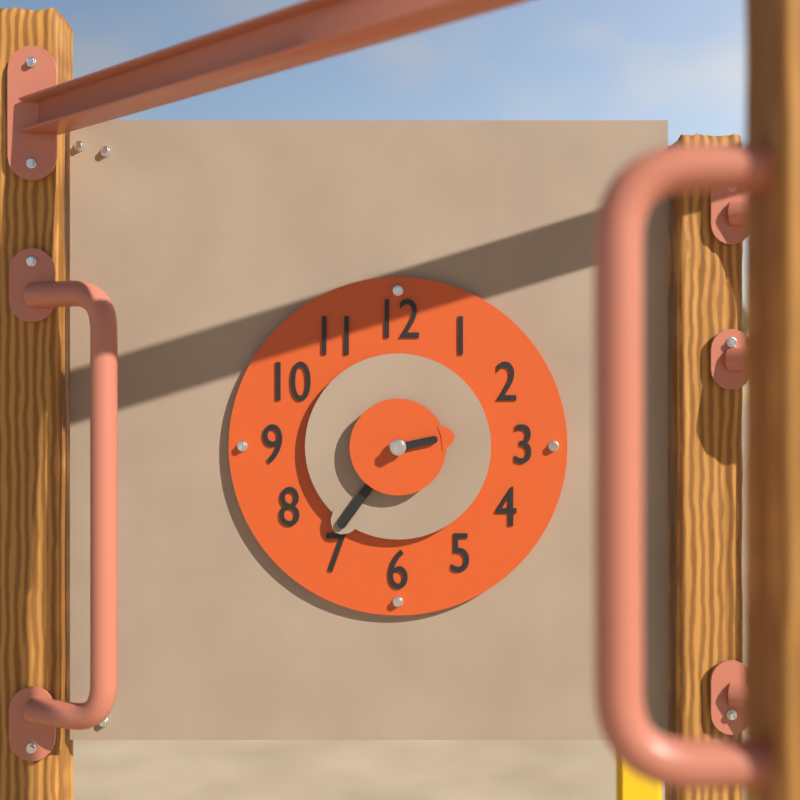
**2:36**
